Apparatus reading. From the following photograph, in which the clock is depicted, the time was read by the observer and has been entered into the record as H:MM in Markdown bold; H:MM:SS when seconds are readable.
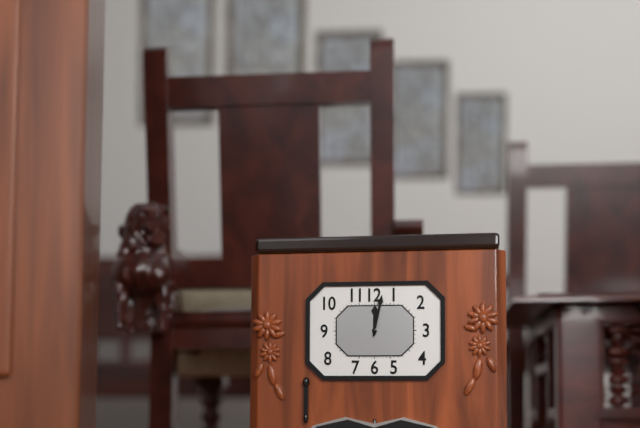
**12:02**
